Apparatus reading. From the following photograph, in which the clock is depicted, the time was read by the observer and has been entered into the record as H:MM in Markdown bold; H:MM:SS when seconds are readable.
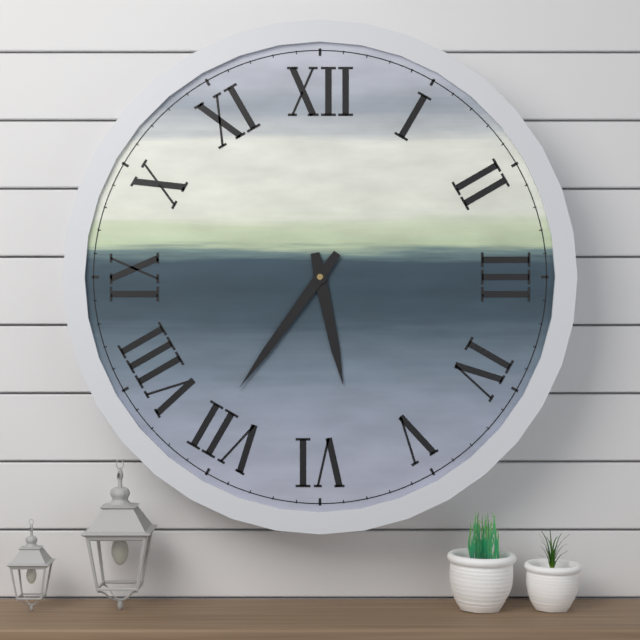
**5:36**
